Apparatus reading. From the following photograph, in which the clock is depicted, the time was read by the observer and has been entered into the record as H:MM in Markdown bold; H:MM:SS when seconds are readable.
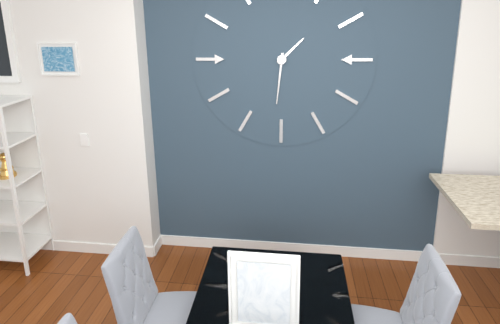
**1:31**
